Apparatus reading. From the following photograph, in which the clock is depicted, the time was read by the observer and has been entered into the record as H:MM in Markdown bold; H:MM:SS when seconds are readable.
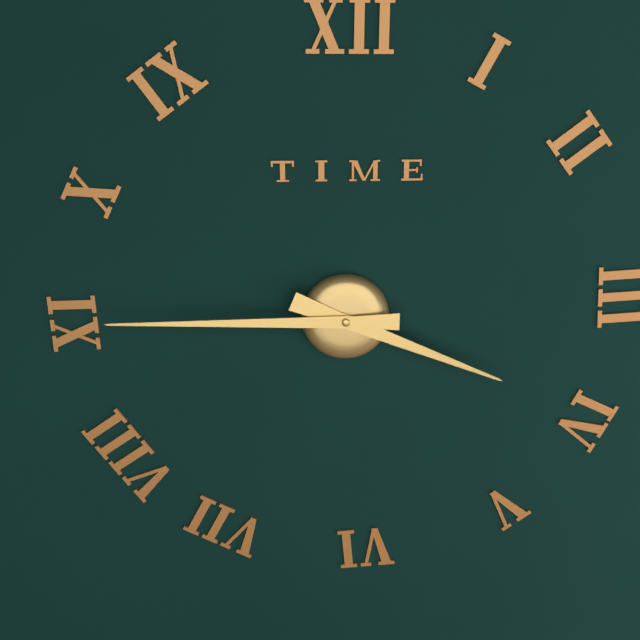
**3:45**
